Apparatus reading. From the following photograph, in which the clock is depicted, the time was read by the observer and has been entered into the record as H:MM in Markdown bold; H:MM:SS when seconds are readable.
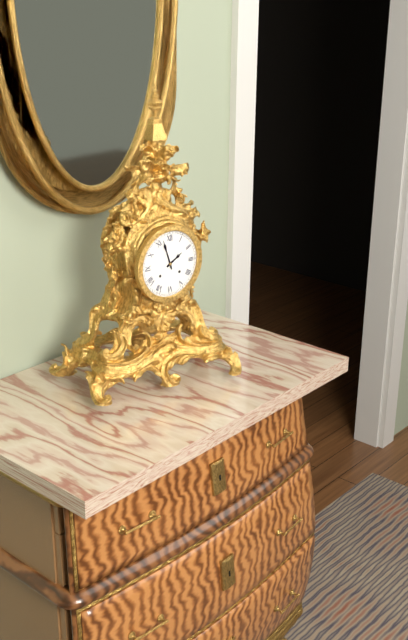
**1:57**
